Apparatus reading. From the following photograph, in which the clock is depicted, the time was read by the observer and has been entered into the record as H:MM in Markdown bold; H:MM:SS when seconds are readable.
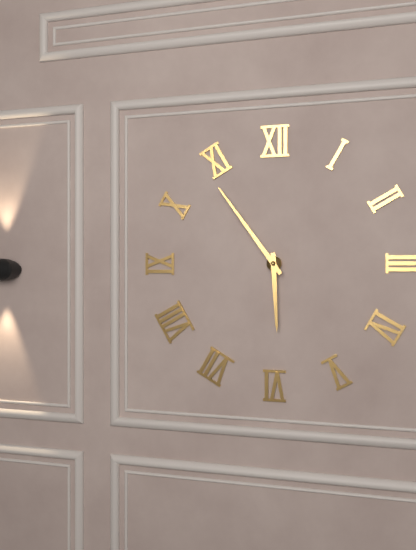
**5:54**
